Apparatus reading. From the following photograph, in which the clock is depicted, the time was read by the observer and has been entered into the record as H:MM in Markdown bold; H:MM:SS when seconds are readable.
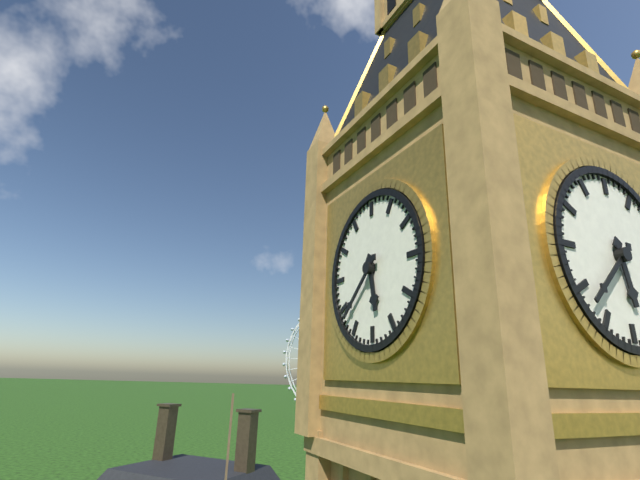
**5:38**
